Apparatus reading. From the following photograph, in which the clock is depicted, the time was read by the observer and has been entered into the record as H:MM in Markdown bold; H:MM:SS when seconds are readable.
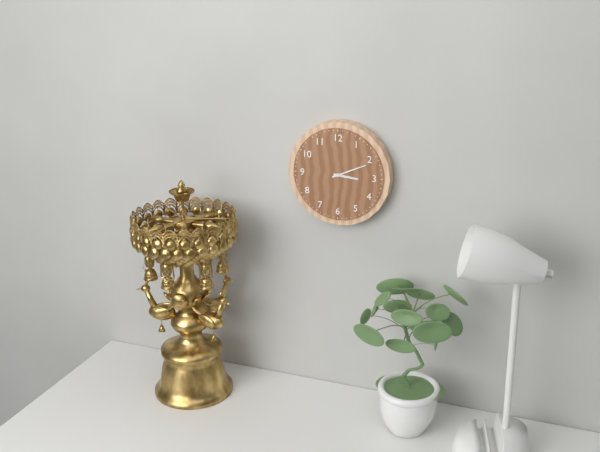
**3:11**
